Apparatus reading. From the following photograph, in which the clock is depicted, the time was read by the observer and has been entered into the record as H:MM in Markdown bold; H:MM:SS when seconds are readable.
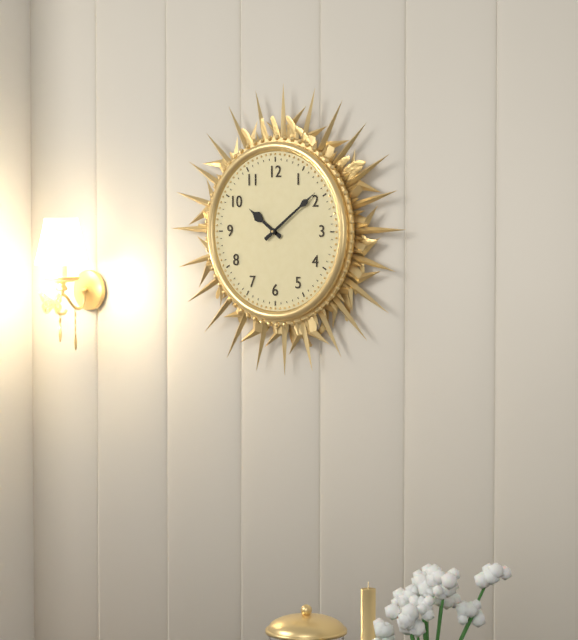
**10:09**
